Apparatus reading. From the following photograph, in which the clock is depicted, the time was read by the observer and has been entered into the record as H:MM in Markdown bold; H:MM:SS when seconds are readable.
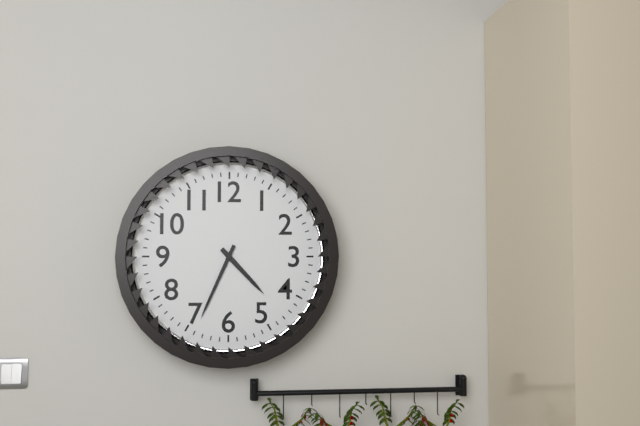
**4:34**
